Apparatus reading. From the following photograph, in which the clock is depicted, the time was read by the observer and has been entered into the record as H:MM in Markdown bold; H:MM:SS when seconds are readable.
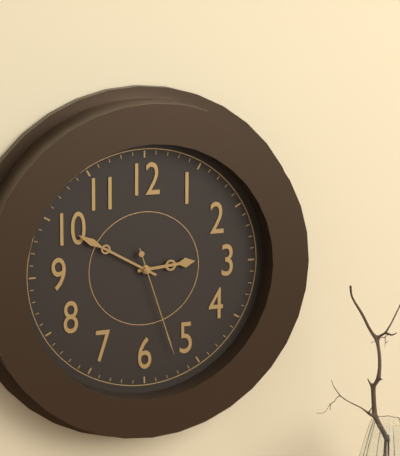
**2:50:27**
